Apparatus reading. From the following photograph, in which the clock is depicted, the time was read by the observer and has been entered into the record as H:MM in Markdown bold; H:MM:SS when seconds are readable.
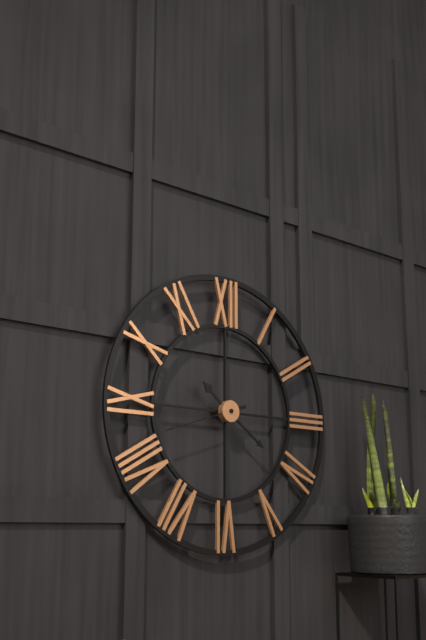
**10:21:42**
